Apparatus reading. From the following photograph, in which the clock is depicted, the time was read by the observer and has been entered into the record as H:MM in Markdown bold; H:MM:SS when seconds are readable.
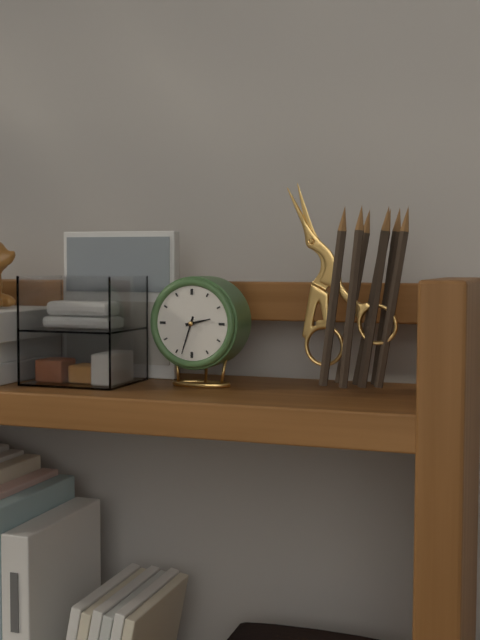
**2:33**
